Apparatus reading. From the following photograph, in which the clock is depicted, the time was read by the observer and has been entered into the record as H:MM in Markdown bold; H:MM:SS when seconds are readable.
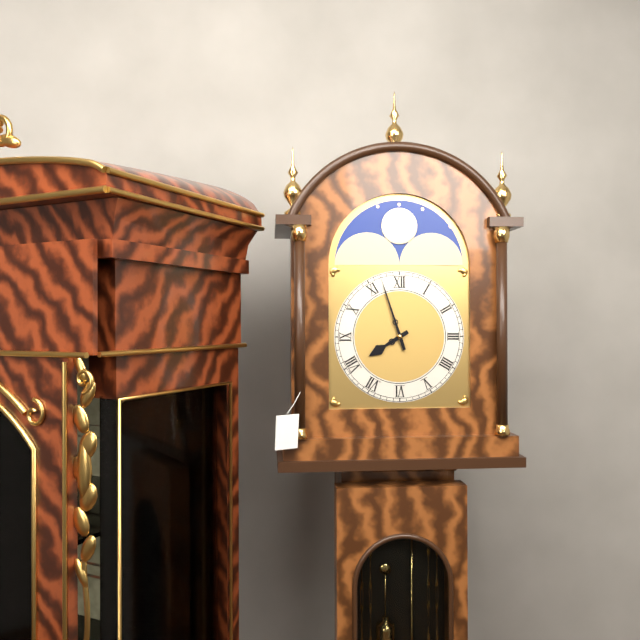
**7:57**
